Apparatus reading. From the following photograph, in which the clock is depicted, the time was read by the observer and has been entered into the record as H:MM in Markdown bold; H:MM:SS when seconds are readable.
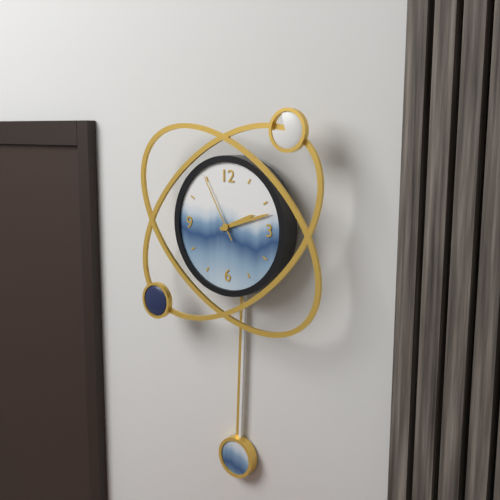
**2:12:55**
